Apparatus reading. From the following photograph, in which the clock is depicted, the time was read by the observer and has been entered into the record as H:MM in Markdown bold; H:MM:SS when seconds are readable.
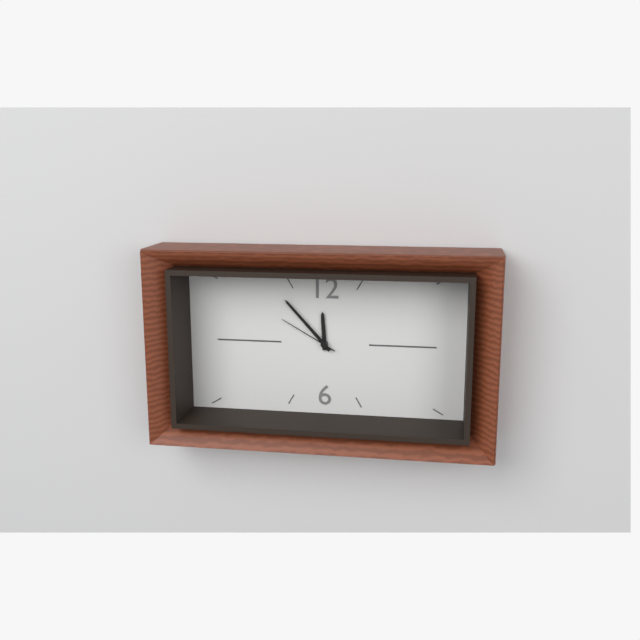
**11:53:50**
